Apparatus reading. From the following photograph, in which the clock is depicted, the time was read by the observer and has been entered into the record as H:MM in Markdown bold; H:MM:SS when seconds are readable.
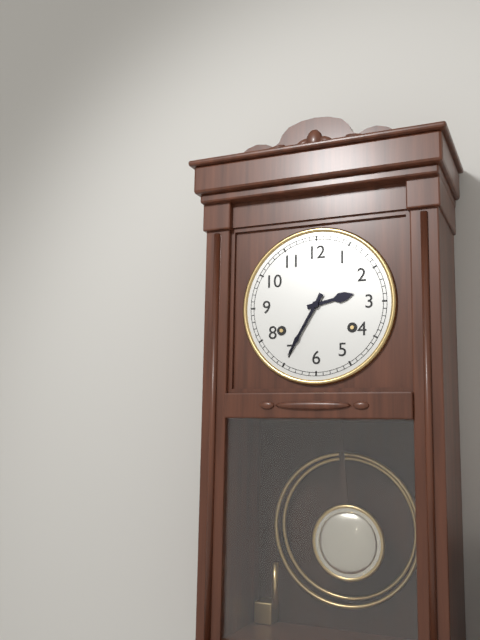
**2:35**
